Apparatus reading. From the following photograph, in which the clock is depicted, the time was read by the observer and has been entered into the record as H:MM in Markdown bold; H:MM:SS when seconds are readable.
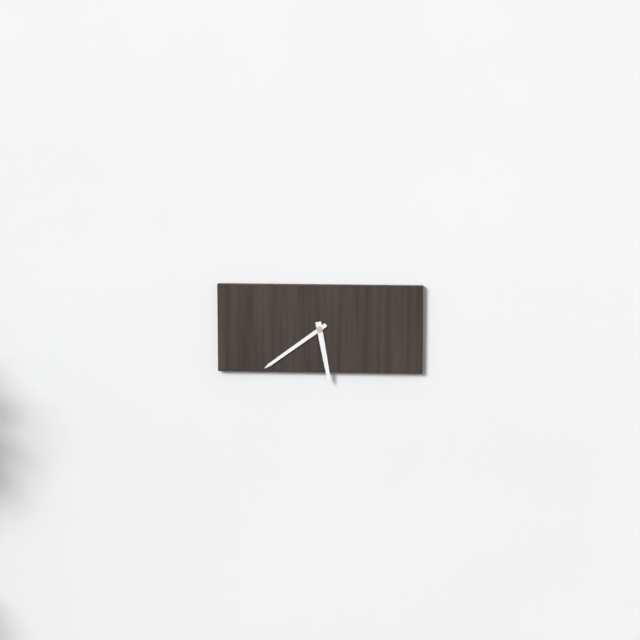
**5:39**
